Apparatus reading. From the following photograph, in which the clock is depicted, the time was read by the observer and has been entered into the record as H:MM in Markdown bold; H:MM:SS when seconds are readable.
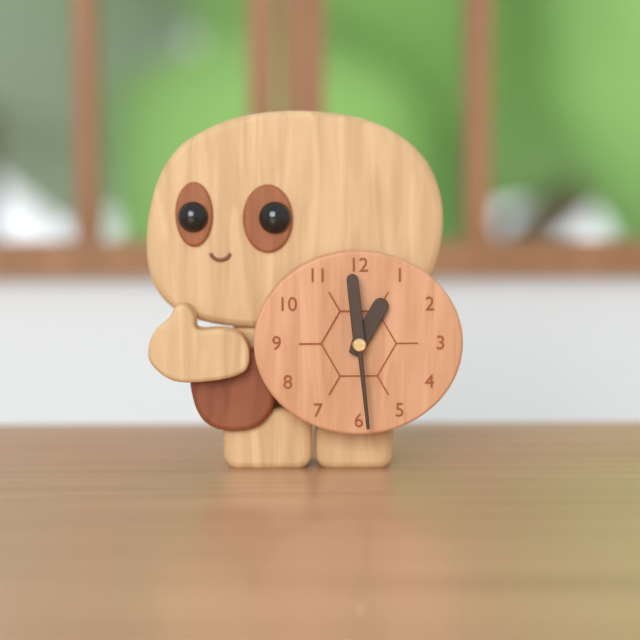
**12:59**
